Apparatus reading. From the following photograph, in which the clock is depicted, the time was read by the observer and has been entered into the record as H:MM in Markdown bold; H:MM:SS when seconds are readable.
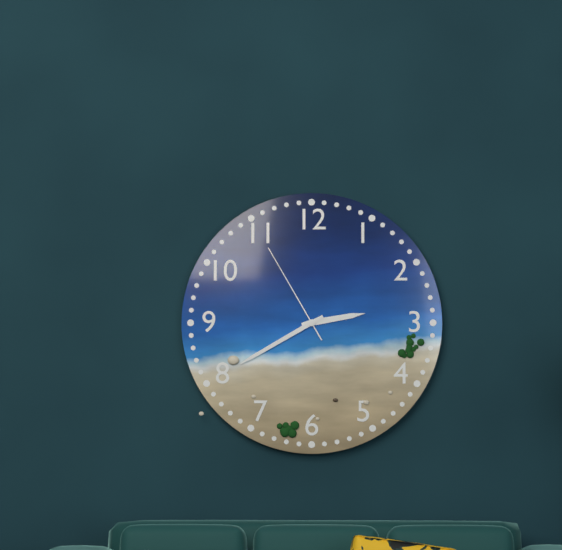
**2:40:55**
